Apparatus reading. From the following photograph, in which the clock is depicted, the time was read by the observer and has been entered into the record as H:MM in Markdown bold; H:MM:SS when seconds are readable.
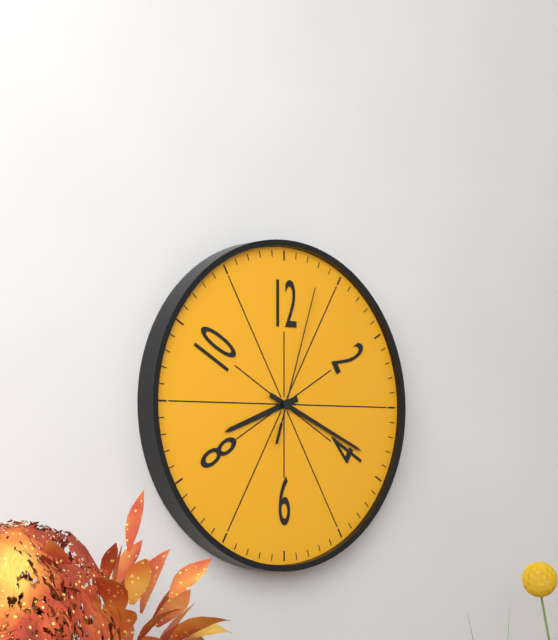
**8:19:03**
